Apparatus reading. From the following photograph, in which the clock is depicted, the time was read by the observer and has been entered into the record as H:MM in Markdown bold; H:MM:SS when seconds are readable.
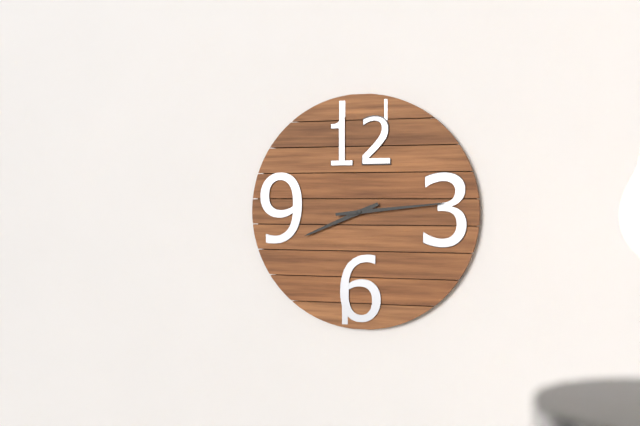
**8:14**
